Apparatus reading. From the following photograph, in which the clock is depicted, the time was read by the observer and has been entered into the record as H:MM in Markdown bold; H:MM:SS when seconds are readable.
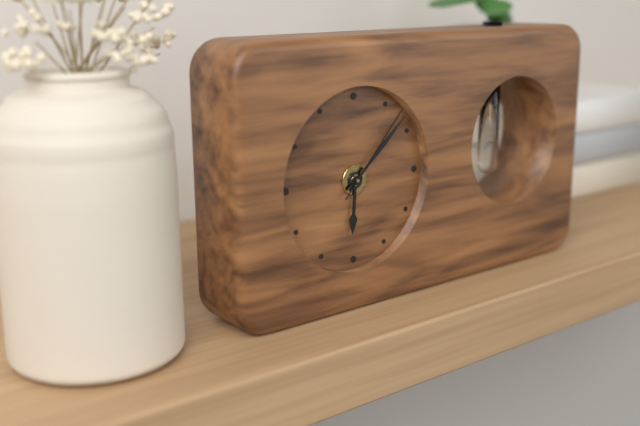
**6:08:07**
